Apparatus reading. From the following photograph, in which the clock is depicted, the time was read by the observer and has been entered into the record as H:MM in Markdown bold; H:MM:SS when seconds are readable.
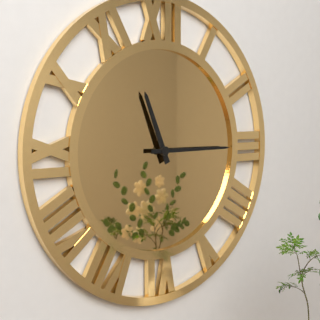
**11:15**
